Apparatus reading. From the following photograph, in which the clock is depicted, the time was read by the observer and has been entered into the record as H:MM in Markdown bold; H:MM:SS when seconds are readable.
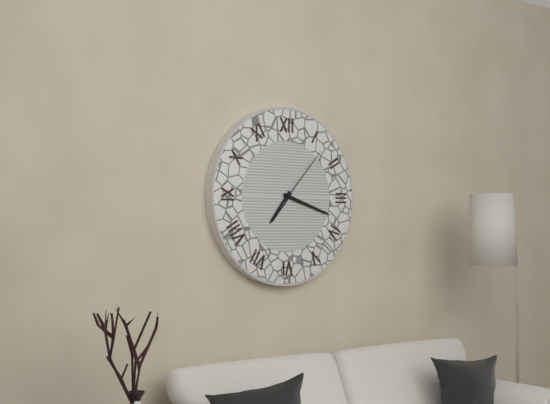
**7:18:07**
